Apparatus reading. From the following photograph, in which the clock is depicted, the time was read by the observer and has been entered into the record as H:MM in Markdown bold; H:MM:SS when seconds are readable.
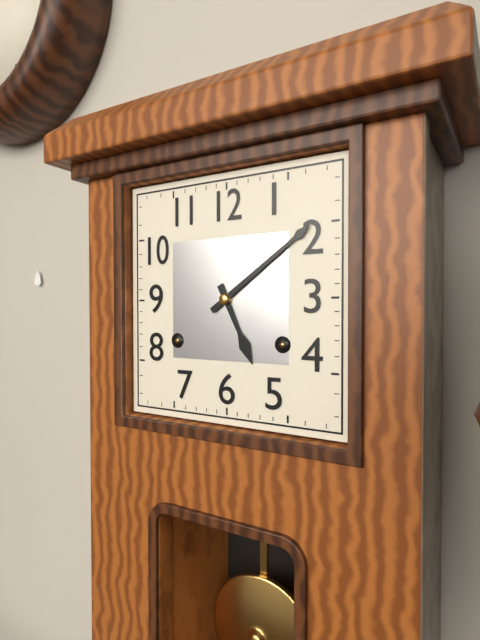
**5:09**
